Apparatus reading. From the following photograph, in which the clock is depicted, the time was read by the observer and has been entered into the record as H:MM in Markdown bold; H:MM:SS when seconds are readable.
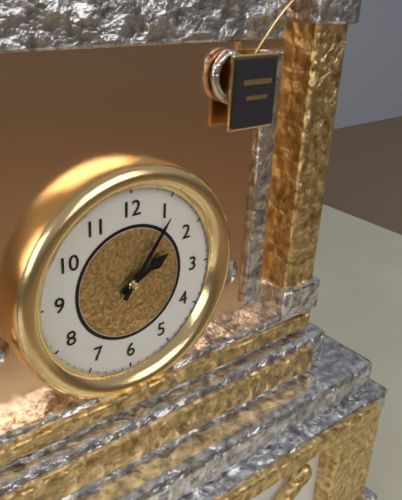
**2:06**
